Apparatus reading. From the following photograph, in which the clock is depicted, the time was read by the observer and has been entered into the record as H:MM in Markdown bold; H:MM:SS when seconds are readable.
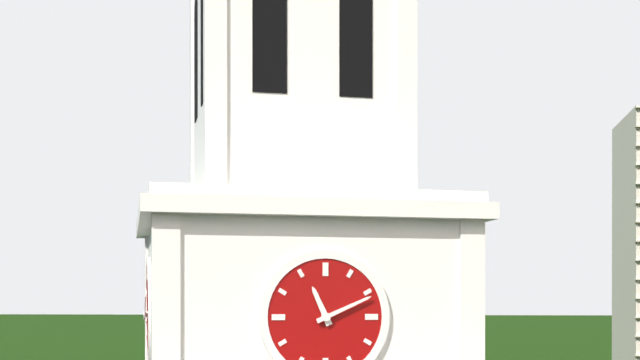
**11:11**
